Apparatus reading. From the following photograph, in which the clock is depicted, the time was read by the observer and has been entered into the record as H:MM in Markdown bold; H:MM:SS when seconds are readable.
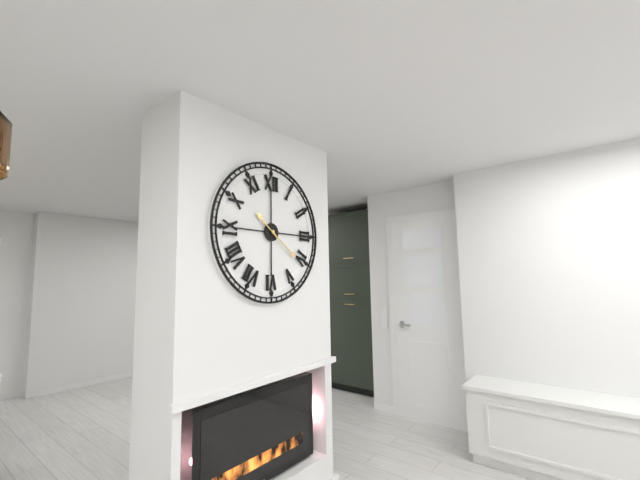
**10:21**
